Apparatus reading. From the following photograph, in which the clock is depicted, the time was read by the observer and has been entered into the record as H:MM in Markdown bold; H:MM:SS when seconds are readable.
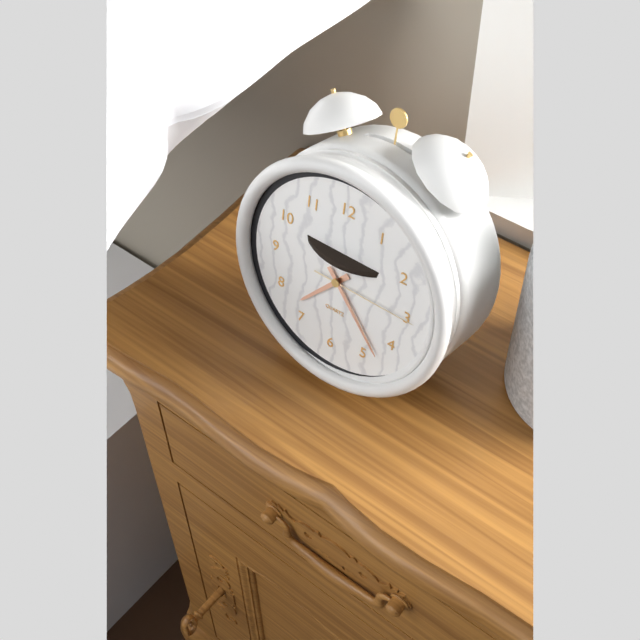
**7:23:15**
